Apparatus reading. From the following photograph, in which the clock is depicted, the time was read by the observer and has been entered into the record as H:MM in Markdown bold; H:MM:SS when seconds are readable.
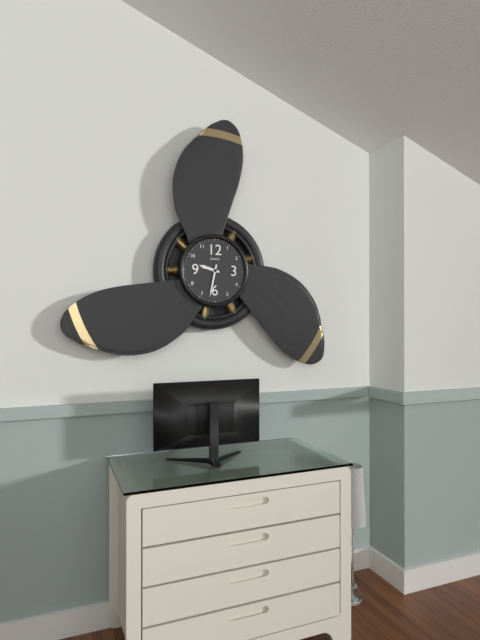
**9:32**
